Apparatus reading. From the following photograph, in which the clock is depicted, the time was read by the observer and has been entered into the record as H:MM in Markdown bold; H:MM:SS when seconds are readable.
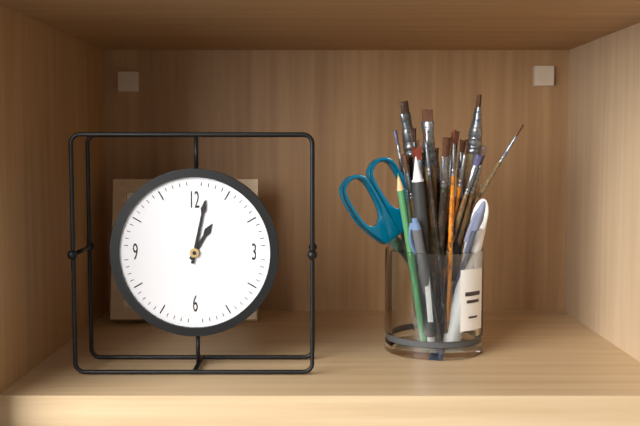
**1:02**
